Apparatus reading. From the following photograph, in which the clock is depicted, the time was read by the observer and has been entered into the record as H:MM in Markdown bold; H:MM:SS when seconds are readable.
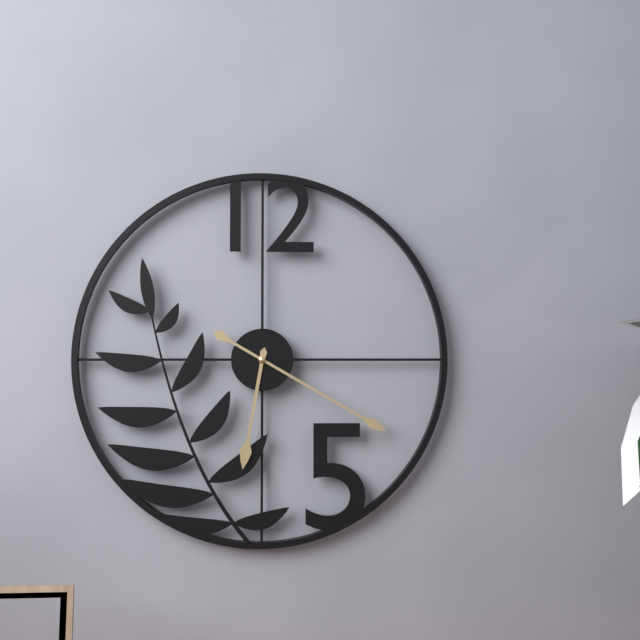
**6:20**
